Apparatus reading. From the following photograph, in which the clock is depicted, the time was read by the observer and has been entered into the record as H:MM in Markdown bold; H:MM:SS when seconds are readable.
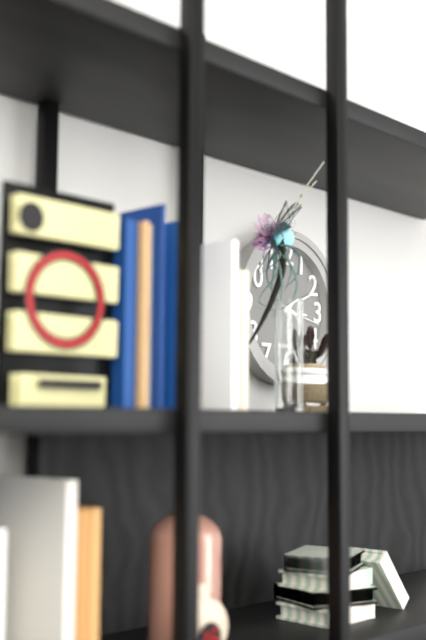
**3:11**
